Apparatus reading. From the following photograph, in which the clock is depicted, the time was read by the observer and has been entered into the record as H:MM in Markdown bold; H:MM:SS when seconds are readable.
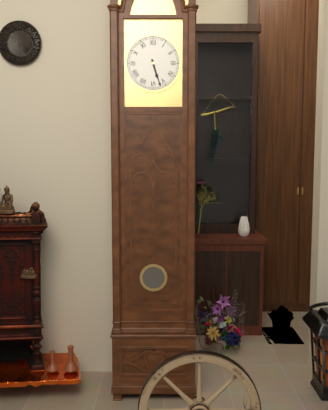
**5:27**
